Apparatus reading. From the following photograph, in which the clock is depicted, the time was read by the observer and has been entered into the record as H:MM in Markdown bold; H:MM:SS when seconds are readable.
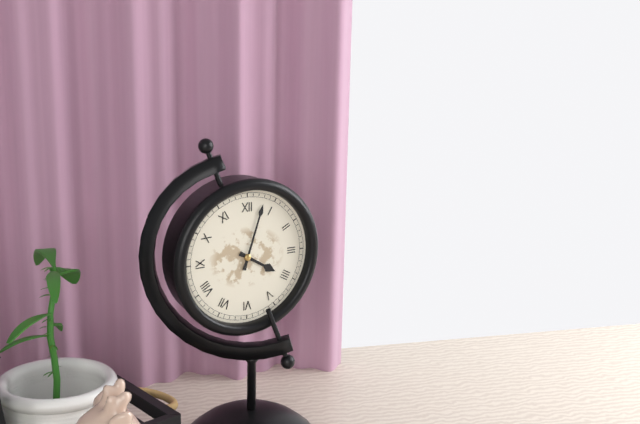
**4:03**
